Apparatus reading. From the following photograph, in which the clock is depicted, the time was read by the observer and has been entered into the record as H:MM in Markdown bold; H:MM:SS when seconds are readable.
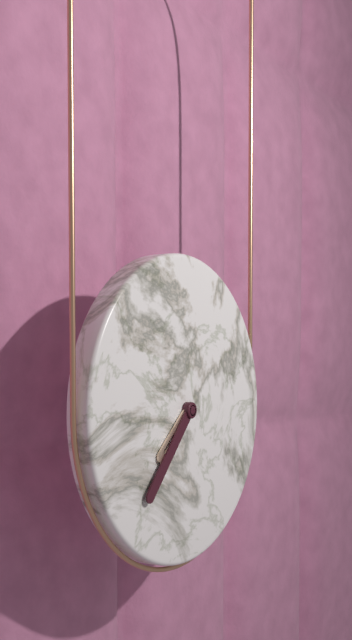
**7:37**
